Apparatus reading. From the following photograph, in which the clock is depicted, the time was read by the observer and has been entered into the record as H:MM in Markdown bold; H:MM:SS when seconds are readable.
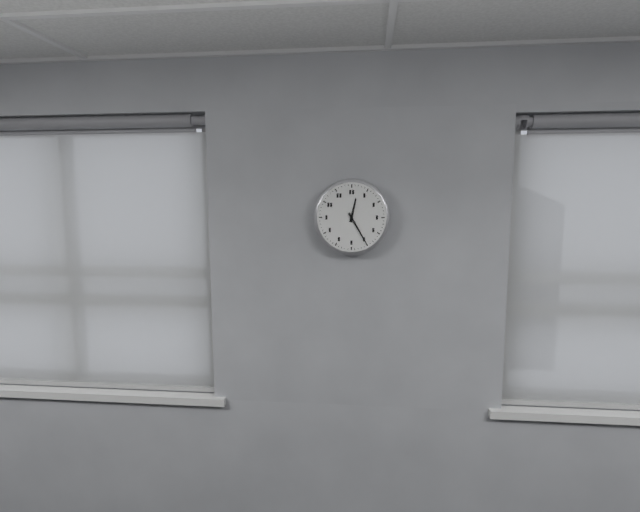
**12:25**
